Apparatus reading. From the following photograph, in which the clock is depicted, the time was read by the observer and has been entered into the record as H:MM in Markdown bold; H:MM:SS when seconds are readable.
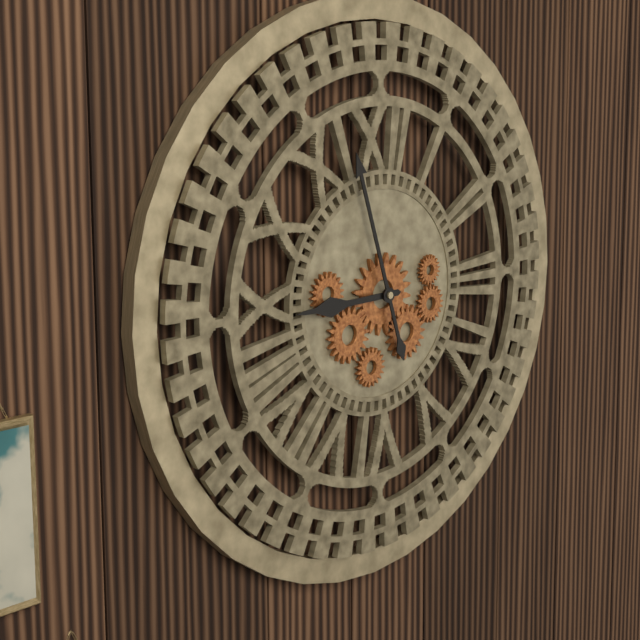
**8:57**
